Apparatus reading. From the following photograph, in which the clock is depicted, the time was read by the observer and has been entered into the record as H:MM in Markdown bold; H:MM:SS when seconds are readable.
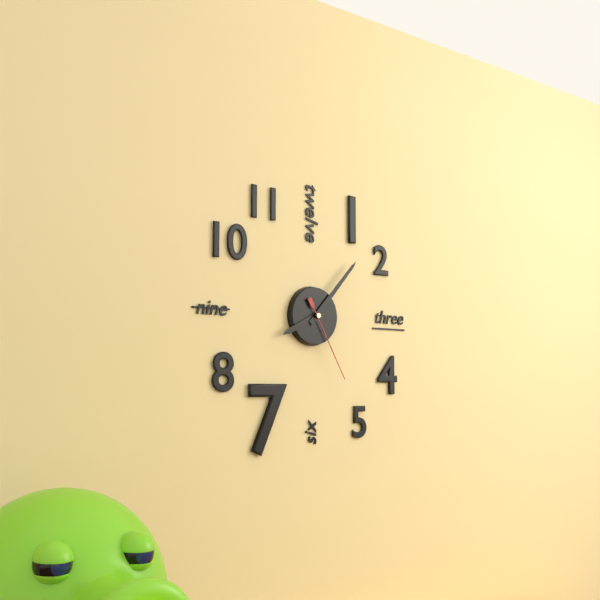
**8:07:25**
